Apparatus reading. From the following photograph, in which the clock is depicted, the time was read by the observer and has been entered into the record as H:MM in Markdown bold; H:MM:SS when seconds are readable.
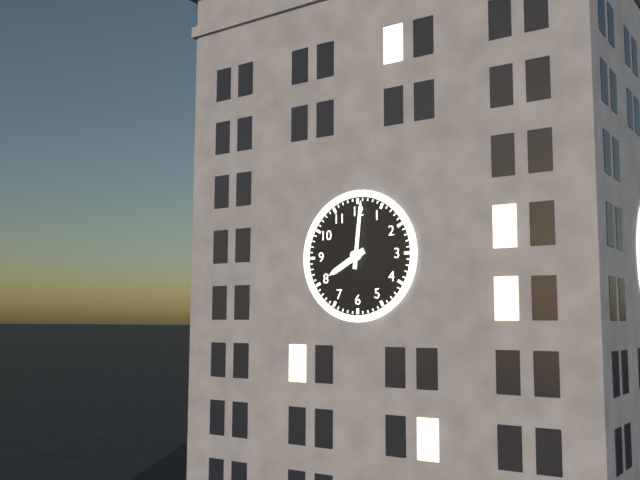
**8:01**
